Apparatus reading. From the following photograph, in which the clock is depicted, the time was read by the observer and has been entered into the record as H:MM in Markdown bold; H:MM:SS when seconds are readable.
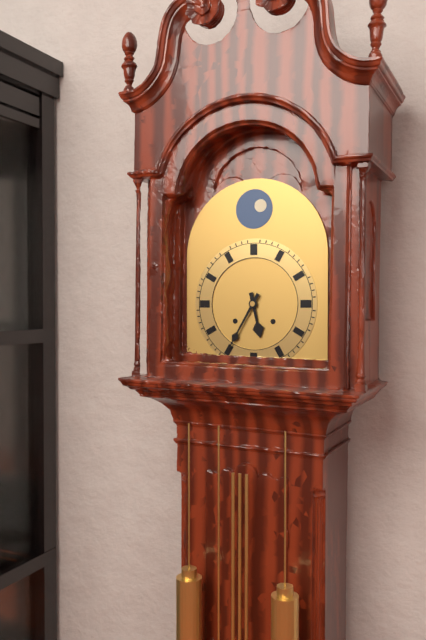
**5:35**
